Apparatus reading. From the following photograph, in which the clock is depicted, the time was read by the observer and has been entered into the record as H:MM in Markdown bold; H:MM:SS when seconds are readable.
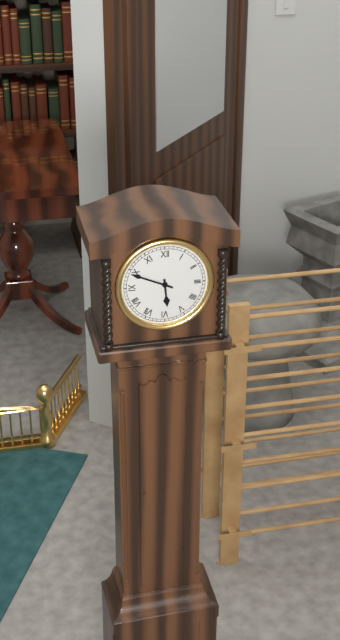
**5:49**
